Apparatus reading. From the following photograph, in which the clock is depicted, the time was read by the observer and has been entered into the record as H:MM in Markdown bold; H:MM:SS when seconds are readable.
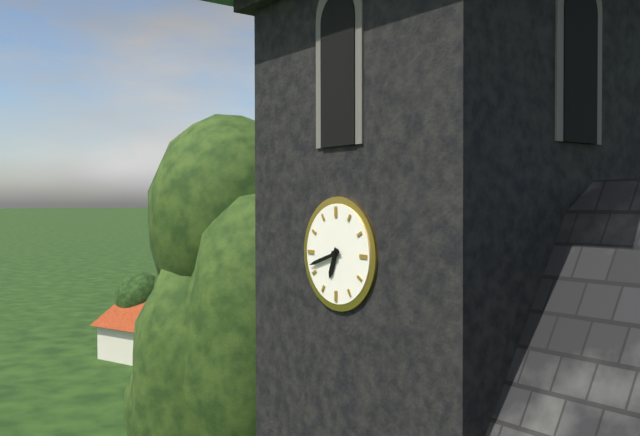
**6:42**
